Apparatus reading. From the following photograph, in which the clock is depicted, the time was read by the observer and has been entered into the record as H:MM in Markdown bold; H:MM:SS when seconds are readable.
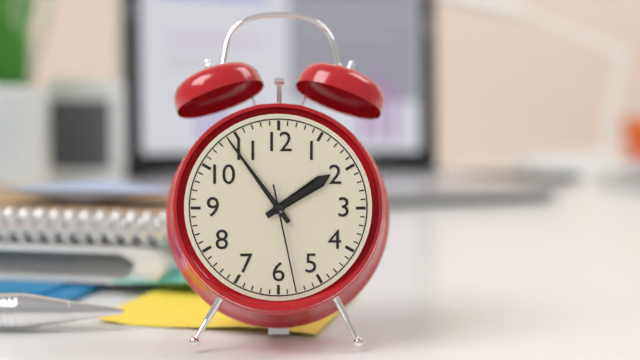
**1:54:28**
